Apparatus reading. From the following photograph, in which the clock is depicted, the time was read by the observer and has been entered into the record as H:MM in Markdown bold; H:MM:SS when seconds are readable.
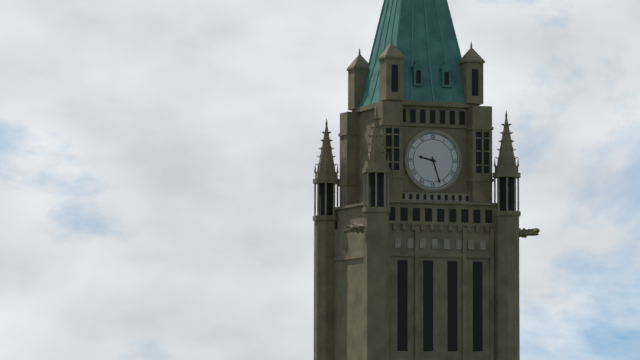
**9:27**
